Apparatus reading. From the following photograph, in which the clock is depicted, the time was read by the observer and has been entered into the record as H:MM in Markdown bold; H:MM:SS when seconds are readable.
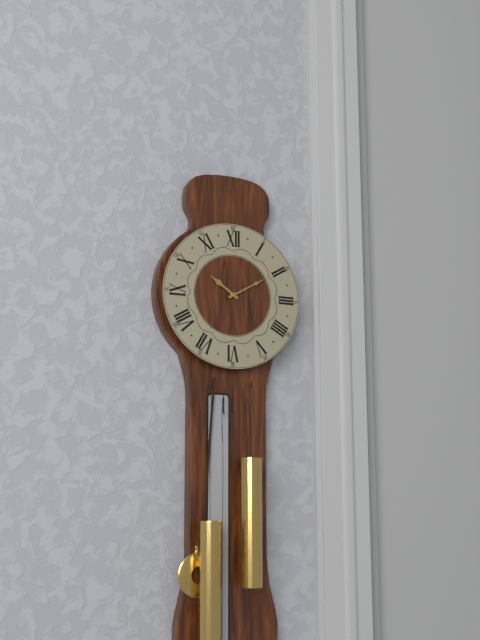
**10:10**
